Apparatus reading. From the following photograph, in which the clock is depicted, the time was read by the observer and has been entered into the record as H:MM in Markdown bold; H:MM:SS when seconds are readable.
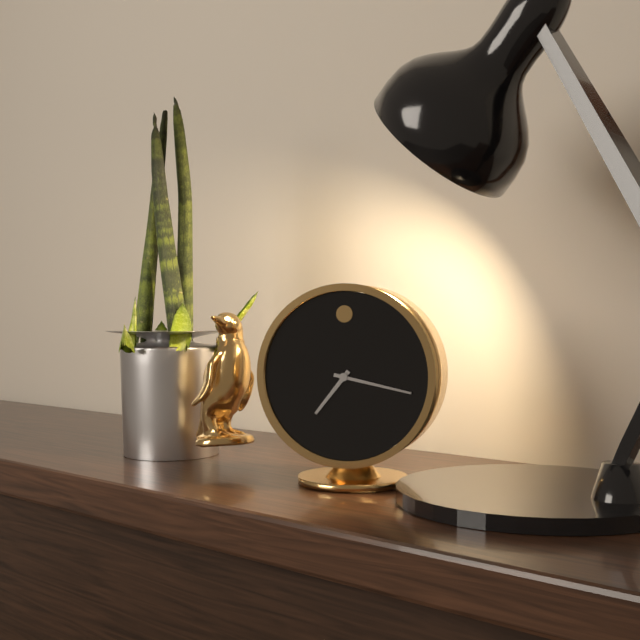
**7:17**
